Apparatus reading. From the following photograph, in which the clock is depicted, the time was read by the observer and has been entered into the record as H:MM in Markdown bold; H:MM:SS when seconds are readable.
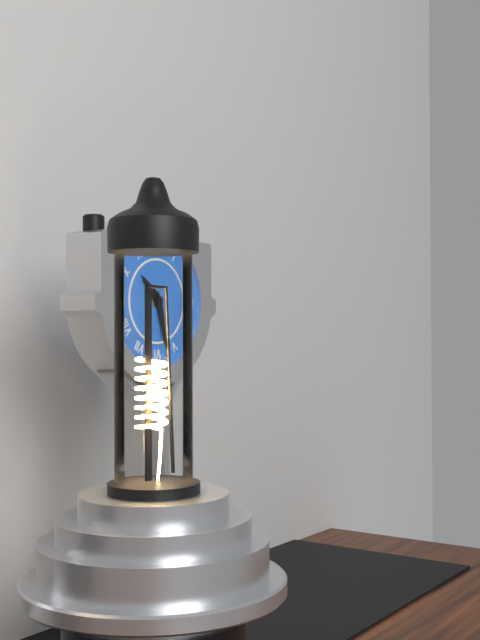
**10:28**
